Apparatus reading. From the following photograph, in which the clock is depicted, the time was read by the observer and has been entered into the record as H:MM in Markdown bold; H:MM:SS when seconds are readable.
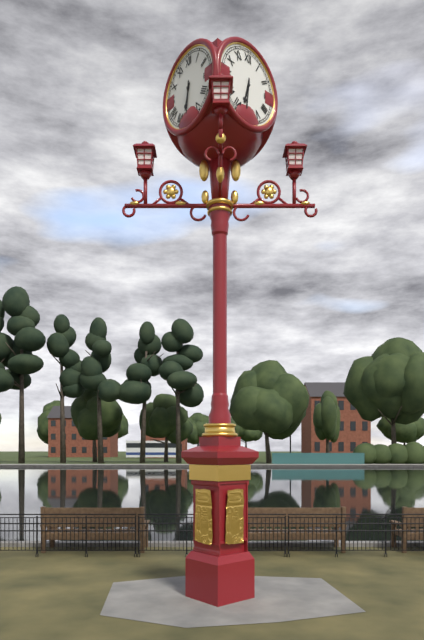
**6:31**
